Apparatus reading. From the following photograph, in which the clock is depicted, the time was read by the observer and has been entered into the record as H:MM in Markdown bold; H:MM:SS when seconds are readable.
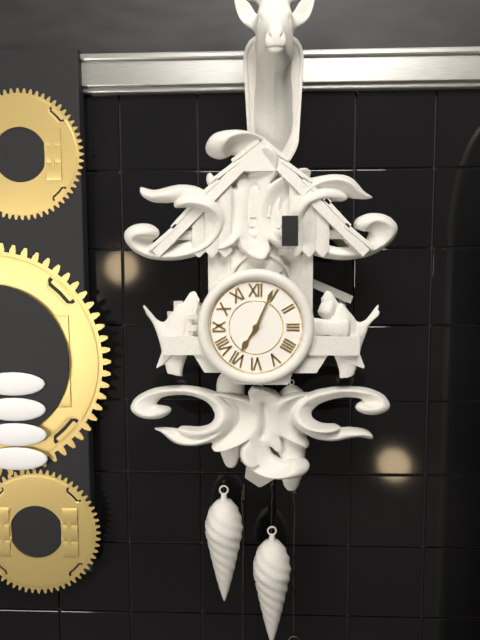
**7:04**
